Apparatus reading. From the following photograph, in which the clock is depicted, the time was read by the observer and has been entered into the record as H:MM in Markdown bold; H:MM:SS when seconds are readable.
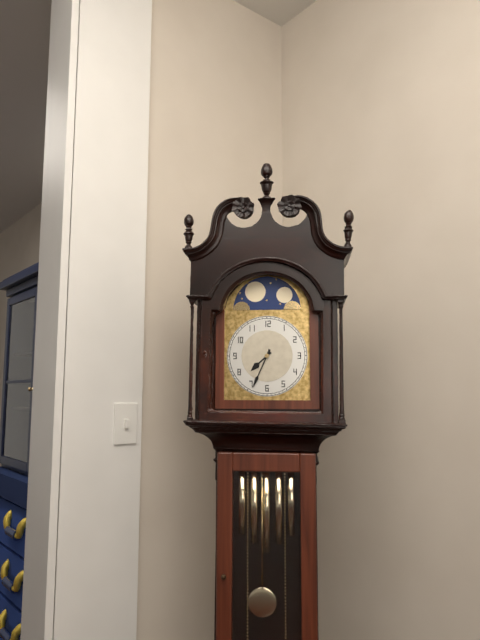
**7:34**
